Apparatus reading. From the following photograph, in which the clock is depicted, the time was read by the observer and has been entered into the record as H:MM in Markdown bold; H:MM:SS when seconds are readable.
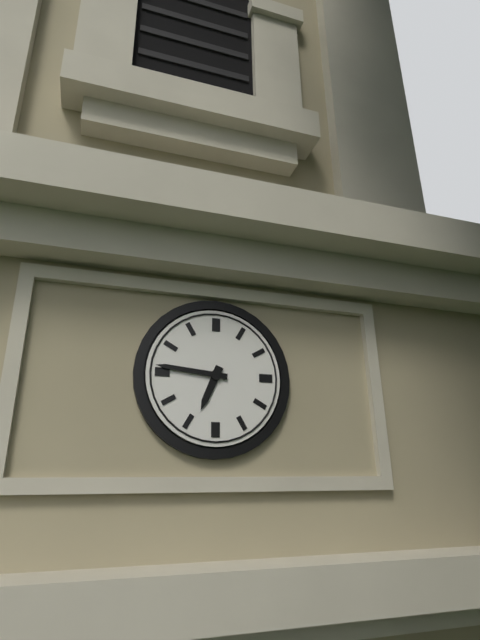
**6:46**
